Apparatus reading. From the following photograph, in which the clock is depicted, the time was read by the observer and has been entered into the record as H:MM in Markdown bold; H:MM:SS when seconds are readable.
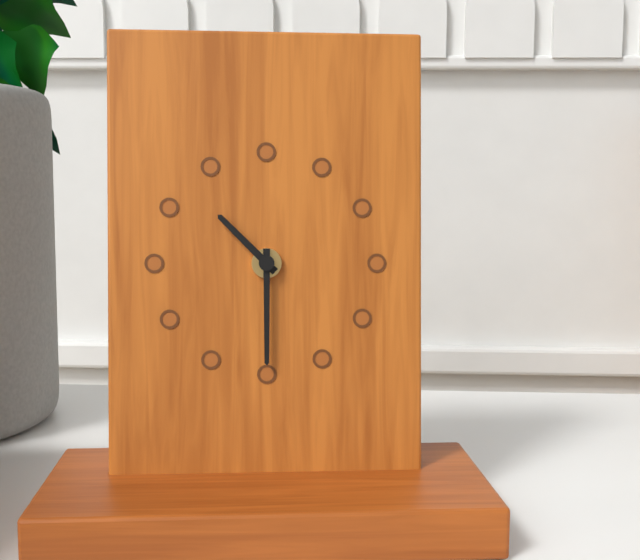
**10:30**
